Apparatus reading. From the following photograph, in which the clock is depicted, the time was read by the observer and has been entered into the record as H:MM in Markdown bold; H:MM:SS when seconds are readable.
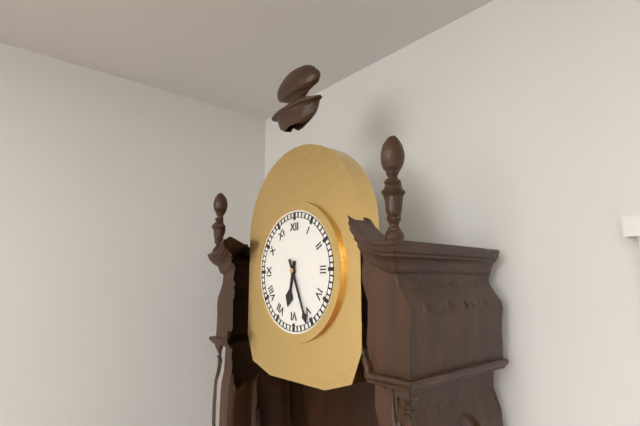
**6:26**
